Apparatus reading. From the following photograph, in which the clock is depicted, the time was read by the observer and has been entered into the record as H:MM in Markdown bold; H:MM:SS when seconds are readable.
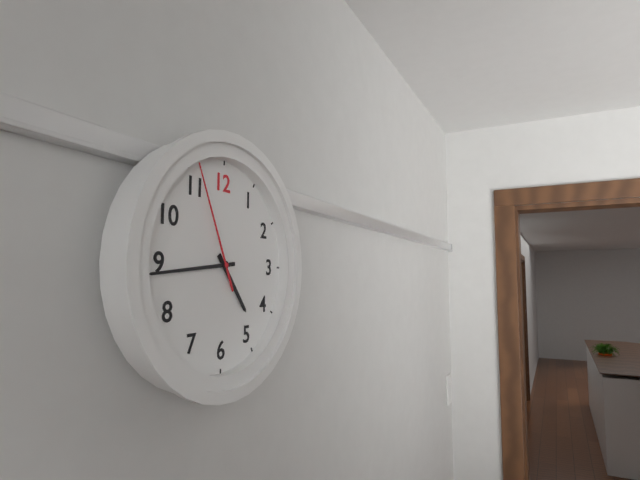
**4:44:56**
